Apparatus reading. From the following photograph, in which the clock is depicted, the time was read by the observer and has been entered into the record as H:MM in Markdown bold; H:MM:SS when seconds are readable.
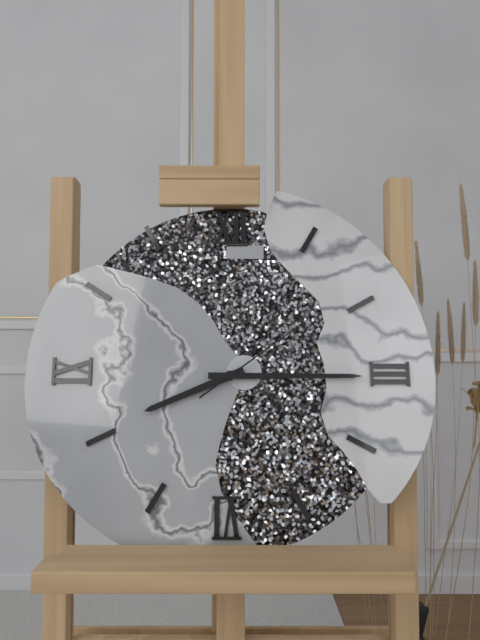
**8:15:09**
